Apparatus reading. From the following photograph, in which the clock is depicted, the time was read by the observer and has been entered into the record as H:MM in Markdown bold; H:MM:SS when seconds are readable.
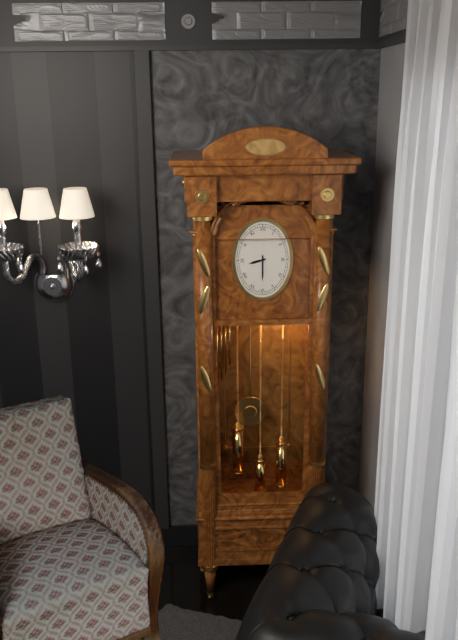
**8:30**
